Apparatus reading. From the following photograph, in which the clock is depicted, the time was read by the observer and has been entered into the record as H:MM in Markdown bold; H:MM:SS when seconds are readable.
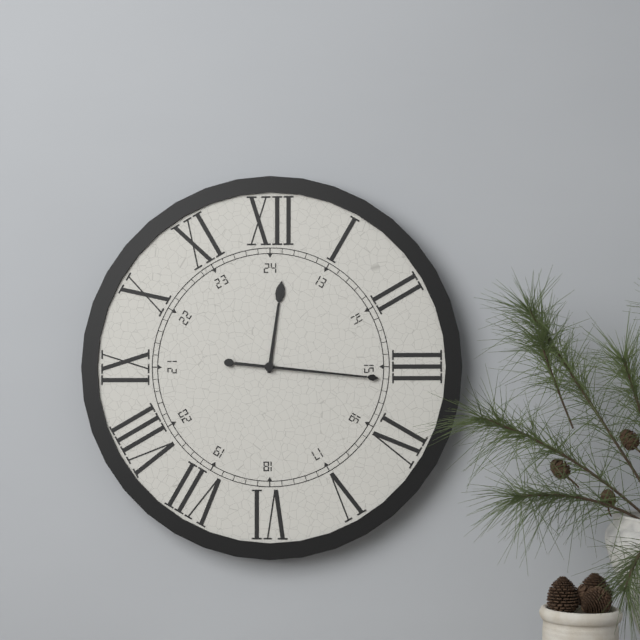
**12:16**
